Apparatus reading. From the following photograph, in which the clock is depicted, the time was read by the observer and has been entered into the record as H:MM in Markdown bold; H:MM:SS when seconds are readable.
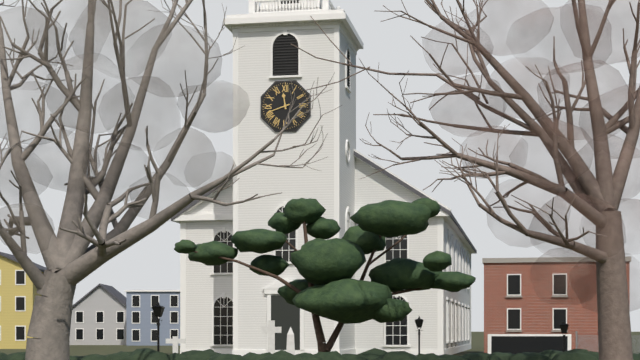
**11:42**
